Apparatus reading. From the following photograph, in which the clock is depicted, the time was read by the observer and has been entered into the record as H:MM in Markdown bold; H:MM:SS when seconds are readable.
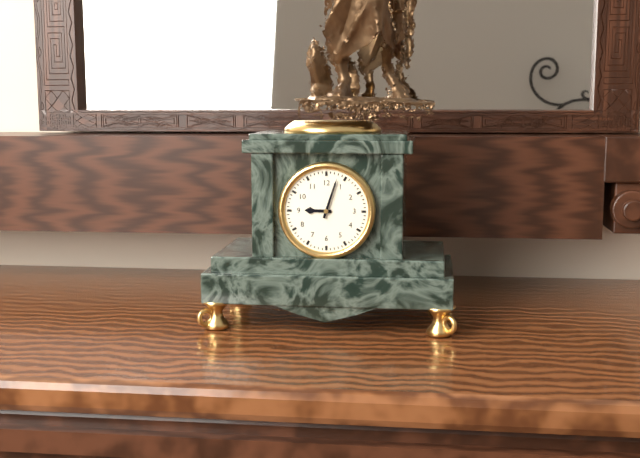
**9:03**
